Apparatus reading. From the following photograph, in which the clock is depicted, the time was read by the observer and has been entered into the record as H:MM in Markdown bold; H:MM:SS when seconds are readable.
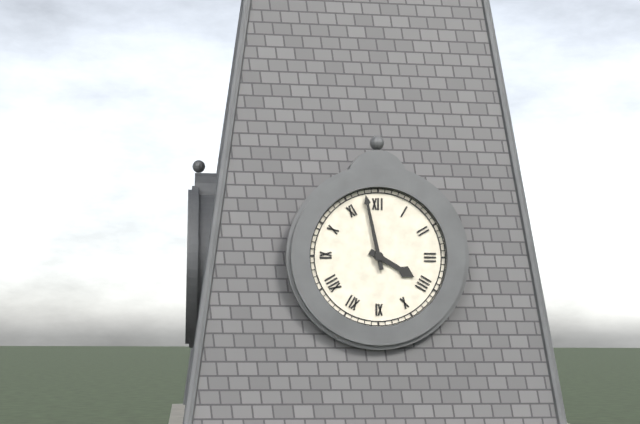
**3:58**
